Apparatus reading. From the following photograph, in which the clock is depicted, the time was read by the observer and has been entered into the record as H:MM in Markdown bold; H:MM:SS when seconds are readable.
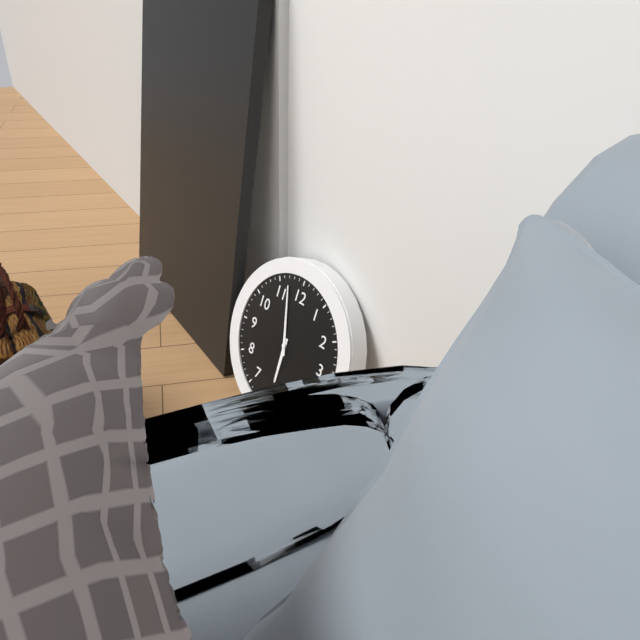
**5:57**
